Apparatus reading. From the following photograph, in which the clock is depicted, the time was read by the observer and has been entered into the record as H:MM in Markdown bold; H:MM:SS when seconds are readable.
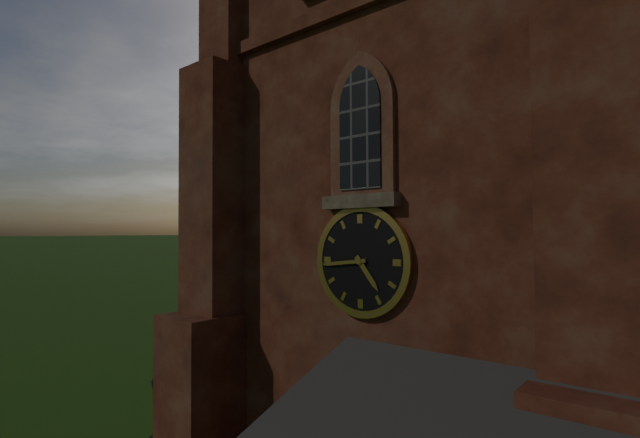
**4:44**
